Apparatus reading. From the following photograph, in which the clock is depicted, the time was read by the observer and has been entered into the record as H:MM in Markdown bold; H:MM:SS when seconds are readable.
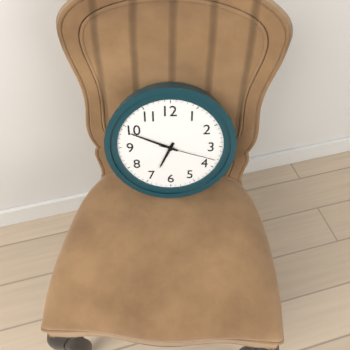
**6:49:18**
